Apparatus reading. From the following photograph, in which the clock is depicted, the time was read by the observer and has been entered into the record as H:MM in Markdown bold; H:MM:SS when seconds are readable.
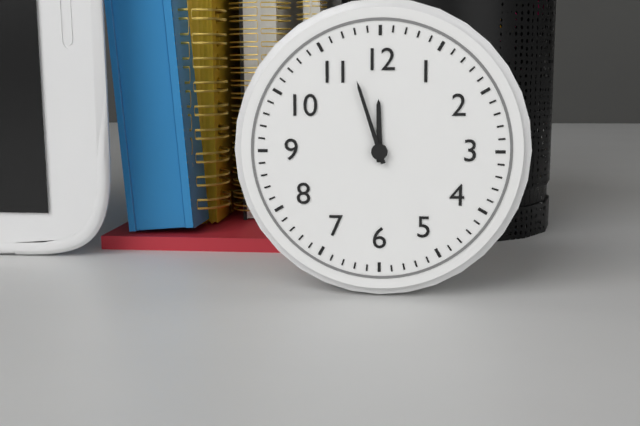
**11:57**
